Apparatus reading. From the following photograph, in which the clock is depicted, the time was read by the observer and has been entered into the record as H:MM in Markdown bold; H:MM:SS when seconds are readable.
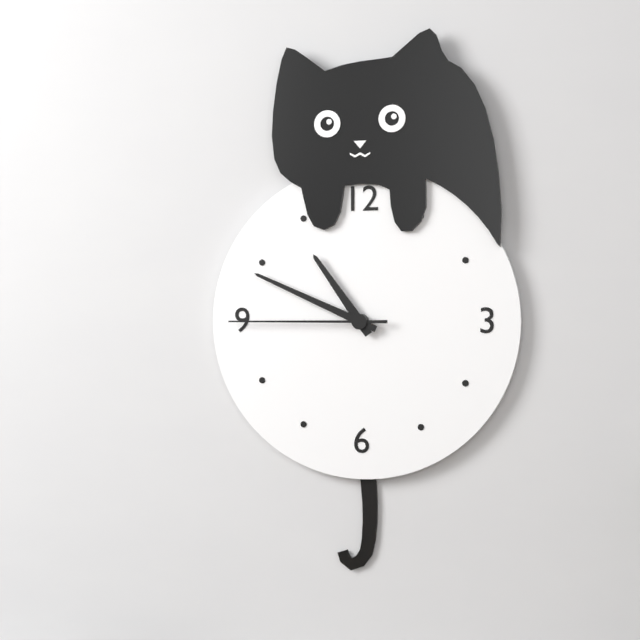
**10:49:45**
